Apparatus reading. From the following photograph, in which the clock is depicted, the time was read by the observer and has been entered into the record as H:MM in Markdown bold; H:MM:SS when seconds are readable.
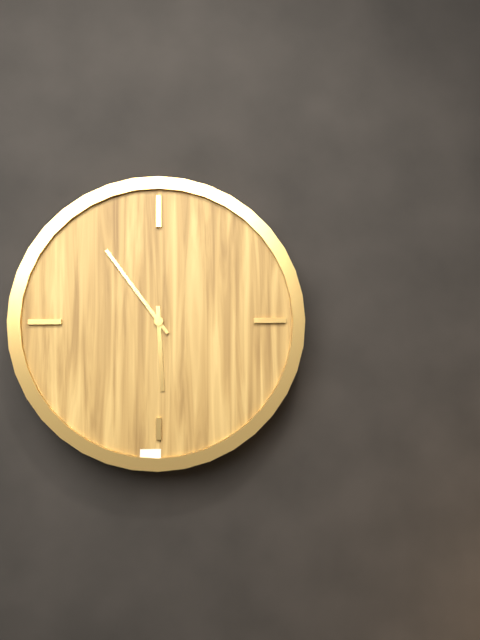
**5:54**
